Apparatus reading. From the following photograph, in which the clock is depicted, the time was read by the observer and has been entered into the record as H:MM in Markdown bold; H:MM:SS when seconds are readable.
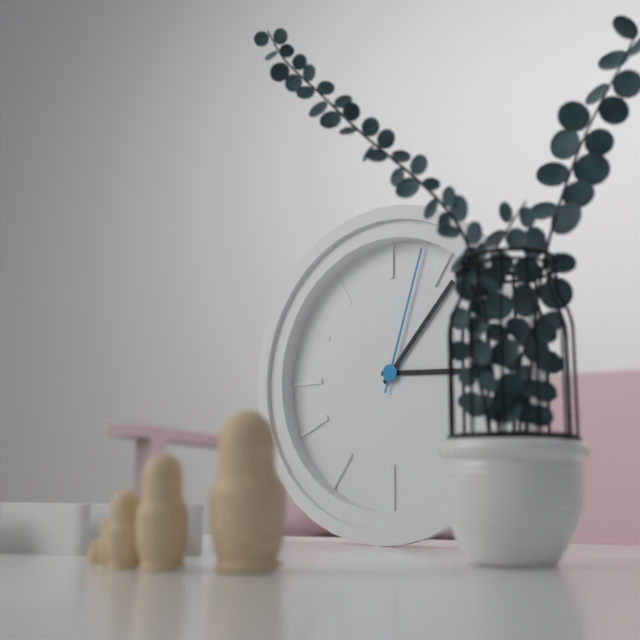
**3:07:03**
